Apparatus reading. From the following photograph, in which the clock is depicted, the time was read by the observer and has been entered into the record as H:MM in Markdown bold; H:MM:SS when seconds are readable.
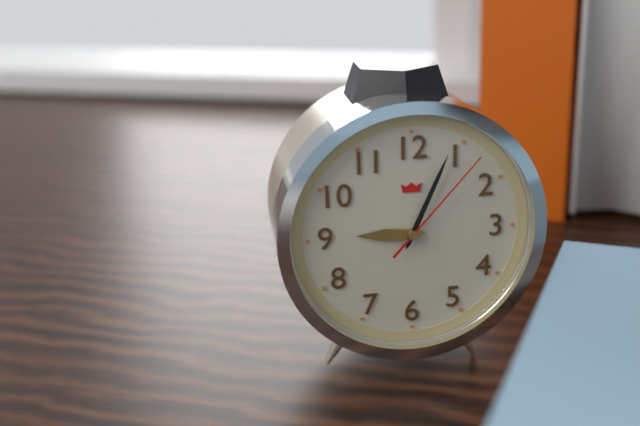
**9:04:07**
